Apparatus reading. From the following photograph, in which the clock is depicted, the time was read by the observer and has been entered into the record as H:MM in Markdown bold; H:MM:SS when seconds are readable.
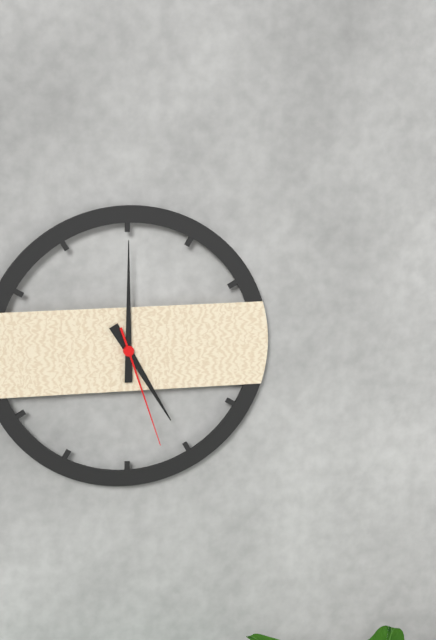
**5:00:27**
